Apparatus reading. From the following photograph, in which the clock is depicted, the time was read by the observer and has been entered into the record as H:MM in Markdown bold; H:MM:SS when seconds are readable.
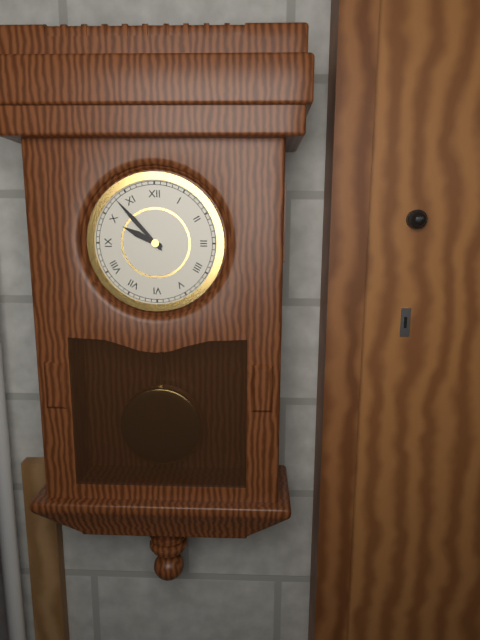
**9:53**
